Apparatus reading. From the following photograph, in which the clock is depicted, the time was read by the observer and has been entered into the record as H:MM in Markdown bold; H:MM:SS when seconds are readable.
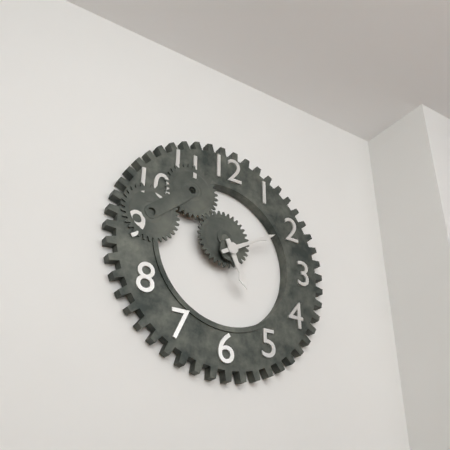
**5:10**
